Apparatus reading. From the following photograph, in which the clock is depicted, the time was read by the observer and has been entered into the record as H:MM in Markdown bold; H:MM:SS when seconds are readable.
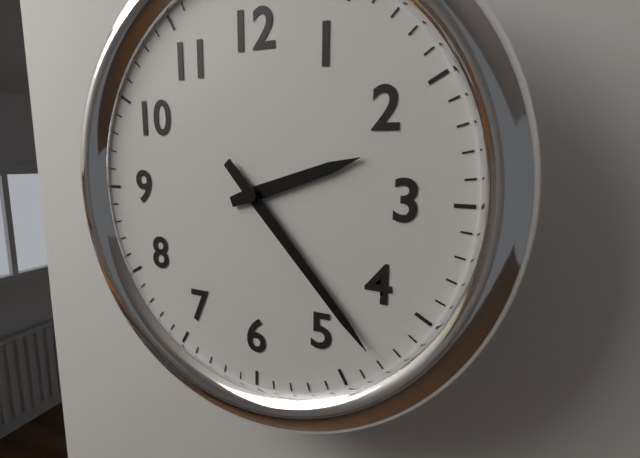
**2:23**
